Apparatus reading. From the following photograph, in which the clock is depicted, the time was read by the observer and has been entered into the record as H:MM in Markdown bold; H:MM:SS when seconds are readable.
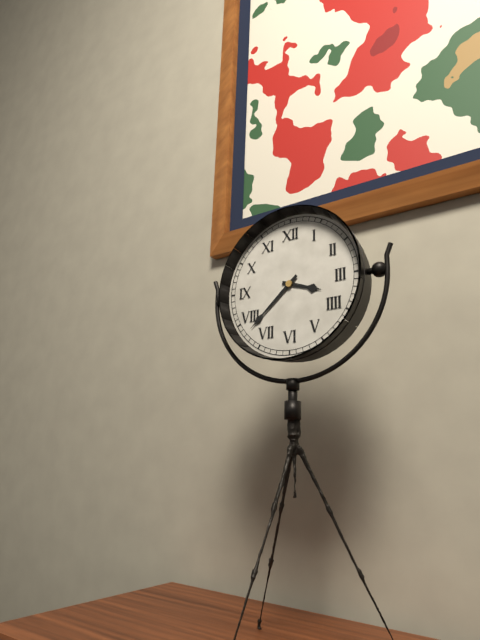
**3:38**
